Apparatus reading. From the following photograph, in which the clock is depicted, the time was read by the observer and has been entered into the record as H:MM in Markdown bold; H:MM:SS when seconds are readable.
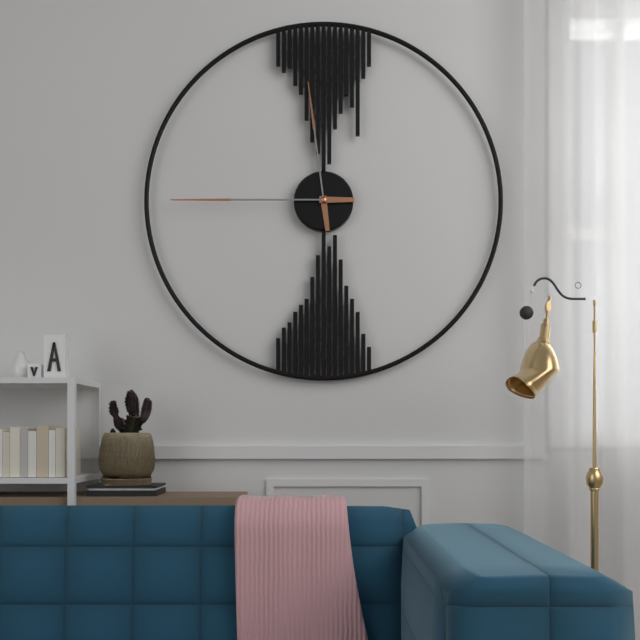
**11:45**
